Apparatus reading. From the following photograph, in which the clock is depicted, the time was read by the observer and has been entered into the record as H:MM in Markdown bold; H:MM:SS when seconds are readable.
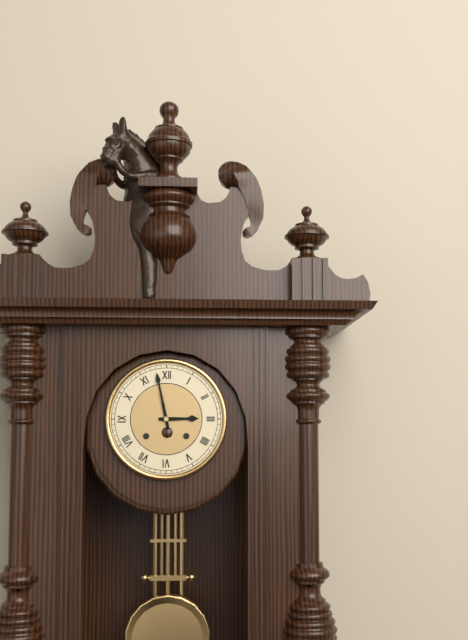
**2:58**
